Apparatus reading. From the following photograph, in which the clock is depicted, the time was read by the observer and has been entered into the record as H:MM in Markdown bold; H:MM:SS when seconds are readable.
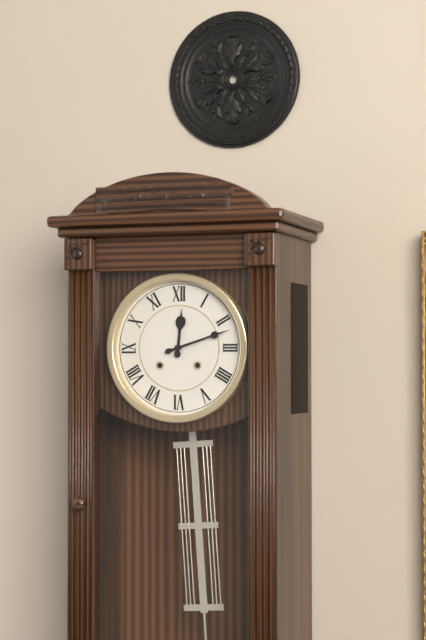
**12:12**
